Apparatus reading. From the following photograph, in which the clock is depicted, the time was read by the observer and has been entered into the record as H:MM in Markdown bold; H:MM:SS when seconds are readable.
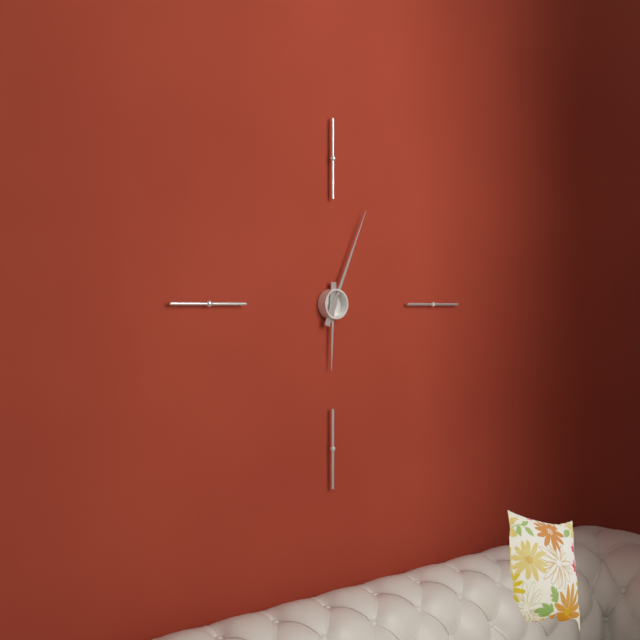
**6:04**
